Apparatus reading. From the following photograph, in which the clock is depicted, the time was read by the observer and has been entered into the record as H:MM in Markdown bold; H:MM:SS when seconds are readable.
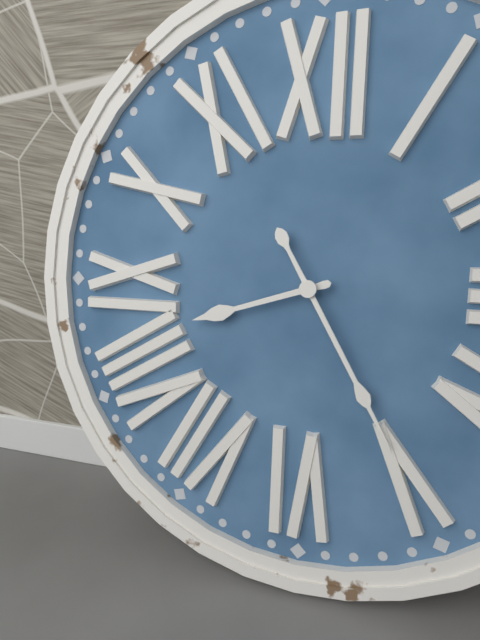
**8:25**
